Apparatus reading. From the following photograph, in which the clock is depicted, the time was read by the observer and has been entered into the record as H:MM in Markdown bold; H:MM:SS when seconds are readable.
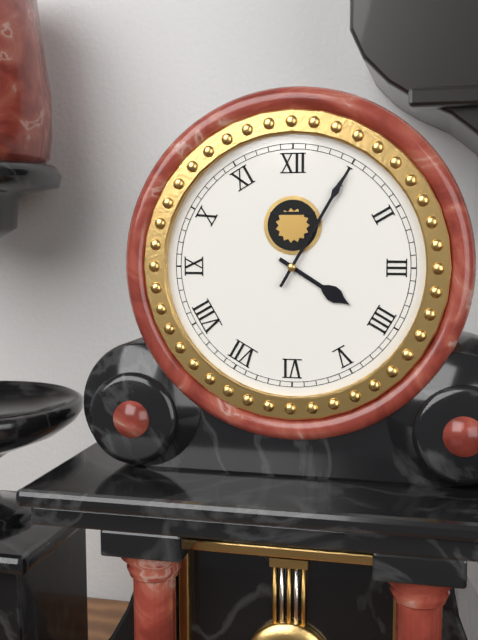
**4:05**
